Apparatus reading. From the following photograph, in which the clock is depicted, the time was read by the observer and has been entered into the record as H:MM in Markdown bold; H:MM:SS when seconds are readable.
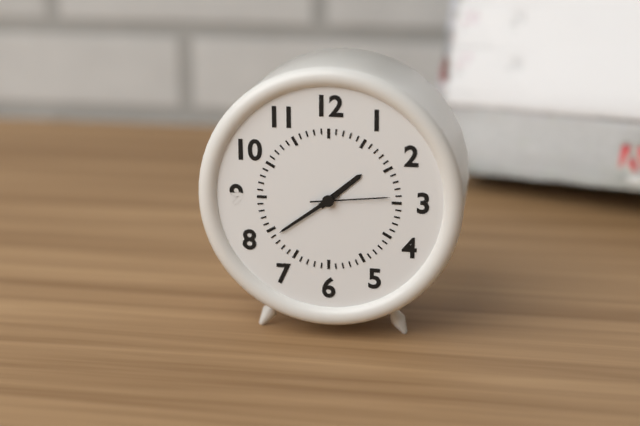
**1:39:14**
